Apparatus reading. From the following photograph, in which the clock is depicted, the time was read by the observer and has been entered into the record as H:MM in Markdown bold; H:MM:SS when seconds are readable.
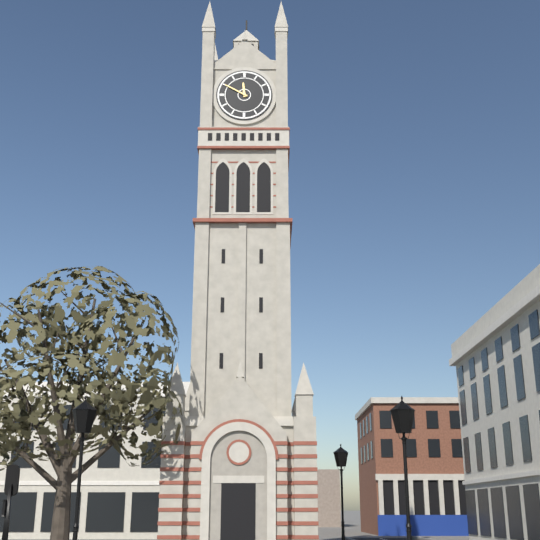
**11:50**
